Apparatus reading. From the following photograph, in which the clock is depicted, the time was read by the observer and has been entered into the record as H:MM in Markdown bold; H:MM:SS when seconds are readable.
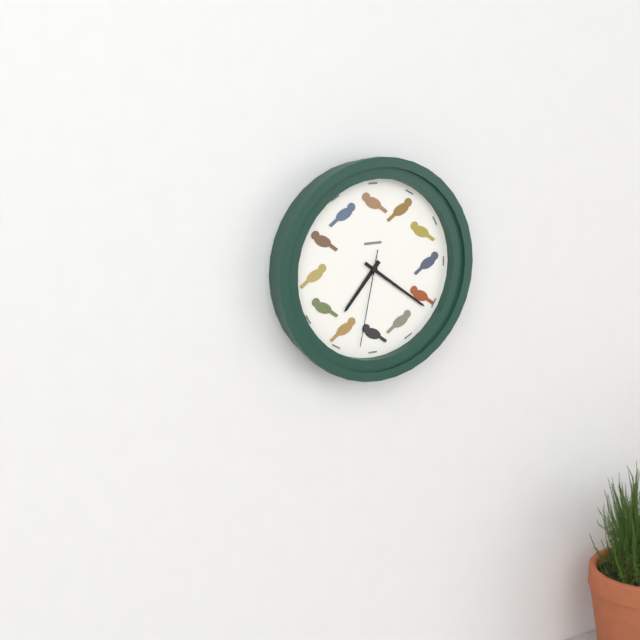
**7:21:32**
